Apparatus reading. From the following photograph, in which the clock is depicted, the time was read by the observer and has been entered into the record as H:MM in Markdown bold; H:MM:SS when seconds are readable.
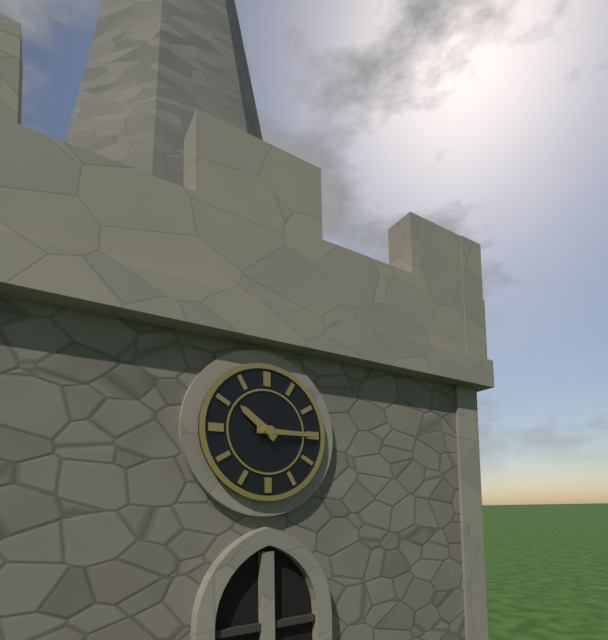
**10:15**
